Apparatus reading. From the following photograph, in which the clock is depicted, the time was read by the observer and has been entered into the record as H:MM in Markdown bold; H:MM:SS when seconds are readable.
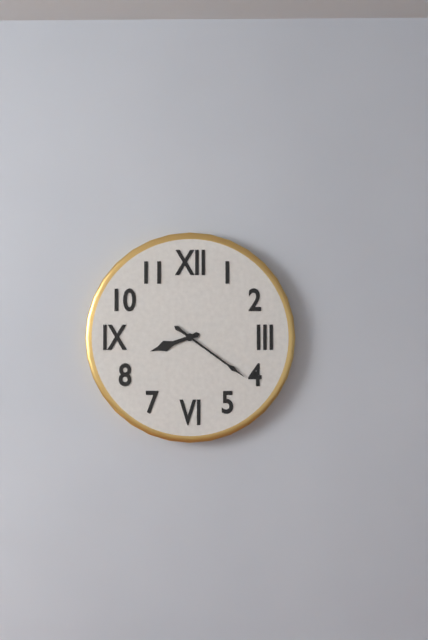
**8:21**
